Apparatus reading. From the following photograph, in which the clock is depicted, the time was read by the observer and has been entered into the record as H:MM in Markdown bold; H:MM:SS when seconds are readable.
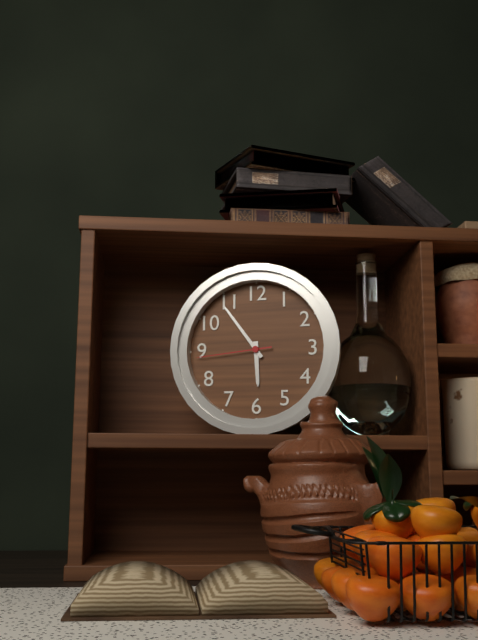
**5:54:44**
